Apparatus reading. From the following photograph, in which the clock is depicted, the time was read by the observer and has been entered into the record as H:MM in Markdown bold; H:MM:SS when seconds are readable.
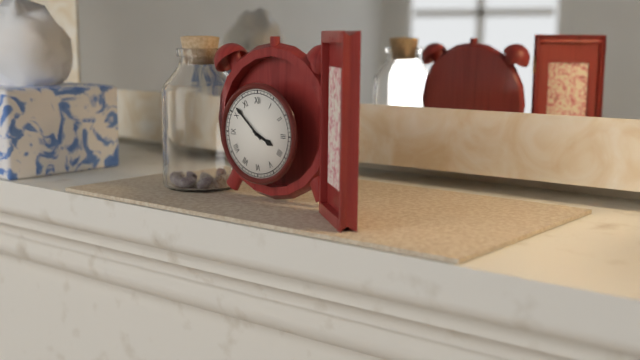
**3:52**
